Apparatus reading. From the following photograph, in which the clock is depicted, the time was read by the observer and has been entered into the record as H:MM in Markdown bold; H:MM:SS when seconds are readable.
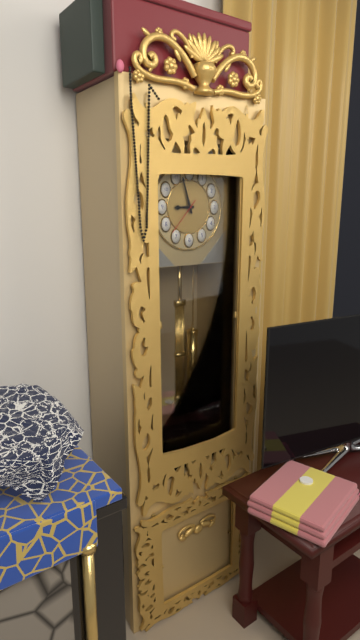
**8:57**
